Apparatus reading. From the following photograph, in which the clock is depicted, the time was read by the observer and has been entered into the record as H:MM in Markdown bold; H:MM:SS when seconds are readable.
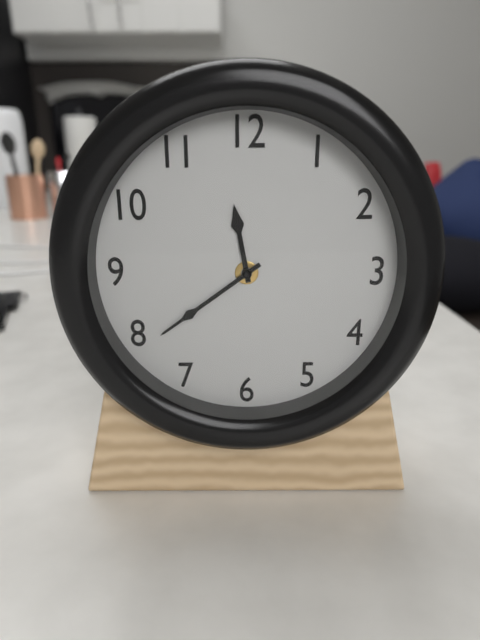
**11:39**
